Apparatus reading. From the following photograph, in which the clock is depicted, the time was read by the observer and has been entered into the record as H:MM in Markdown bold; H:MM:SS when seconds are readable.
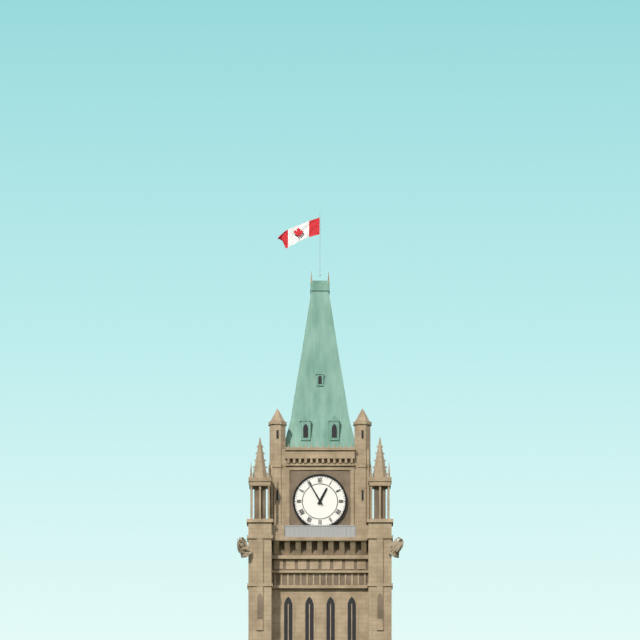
**12:55**
